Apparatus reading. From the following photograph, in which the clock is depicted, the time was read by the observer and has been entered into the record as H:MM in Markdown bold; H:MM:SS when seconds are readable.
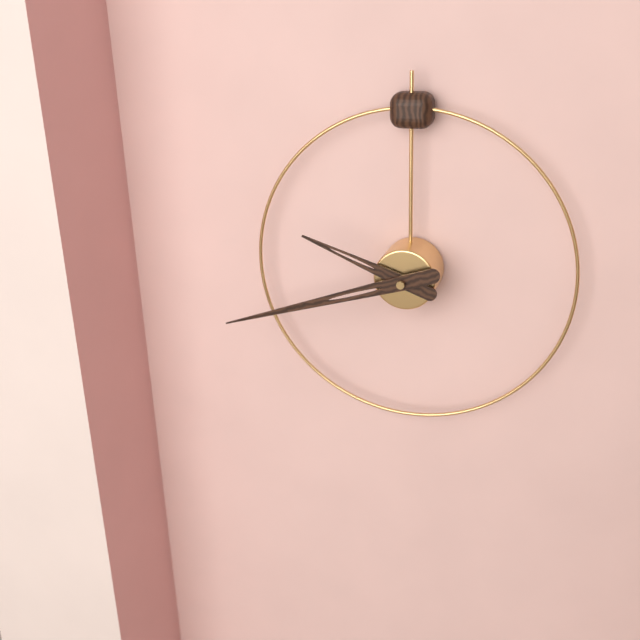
**9:42**
